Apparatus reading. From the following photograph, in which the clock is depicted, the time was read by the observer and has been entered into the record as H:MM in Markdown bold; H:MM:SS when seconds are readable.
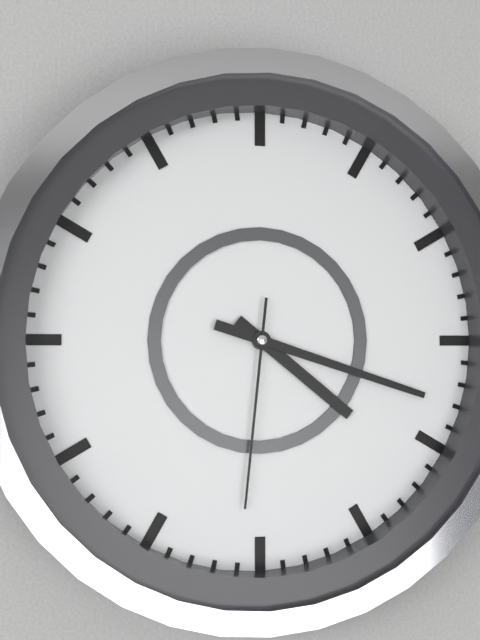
**4:18:31**
